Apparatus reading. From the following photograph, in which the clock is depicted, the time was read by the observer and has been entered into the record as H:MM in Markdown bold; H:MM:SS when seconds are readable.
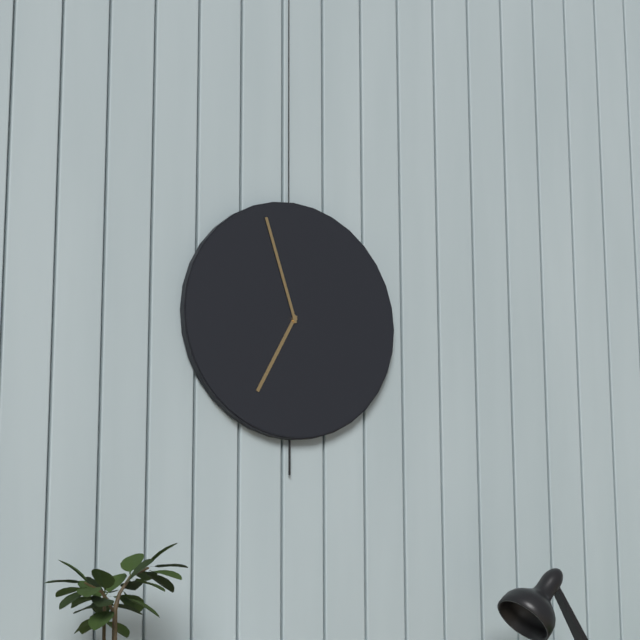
**6:57**
